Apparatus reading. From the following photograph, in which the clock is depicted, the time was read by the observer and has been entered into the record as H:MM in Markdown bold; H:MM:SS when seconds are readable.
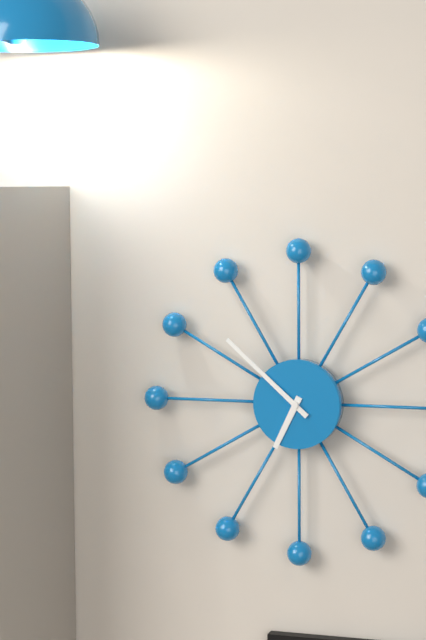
**6:52**
